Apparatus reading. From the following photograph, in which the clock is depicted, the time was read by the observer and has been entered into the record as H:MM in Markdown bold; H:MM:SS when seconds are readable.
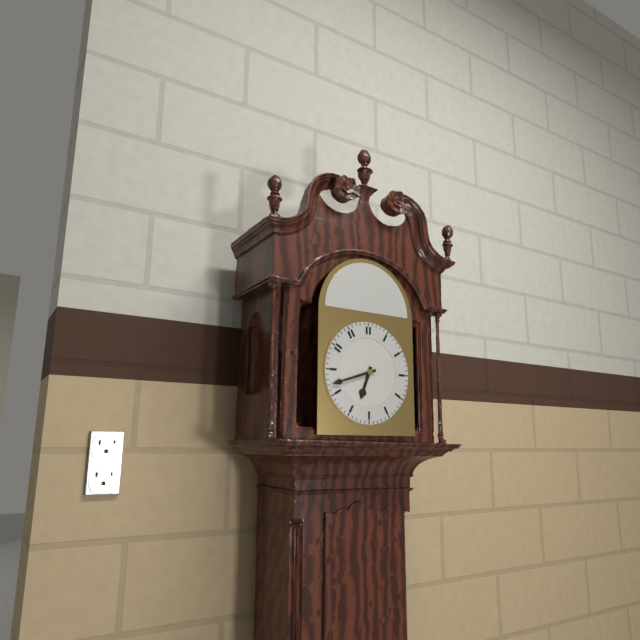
**6:42**
